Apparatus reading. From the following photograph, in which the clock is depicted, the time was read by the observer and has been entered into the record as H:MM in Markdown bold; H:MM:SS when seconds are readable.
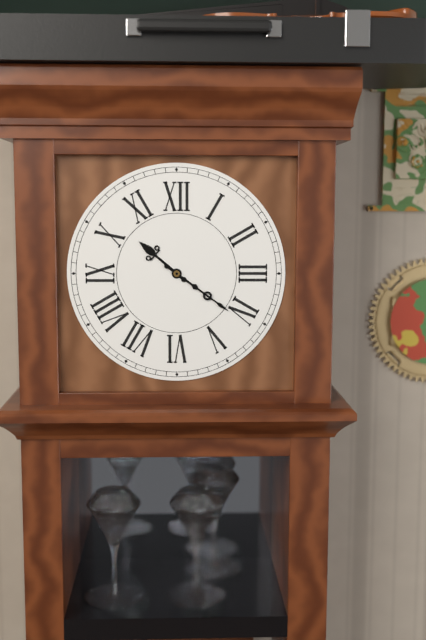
**10:21**
